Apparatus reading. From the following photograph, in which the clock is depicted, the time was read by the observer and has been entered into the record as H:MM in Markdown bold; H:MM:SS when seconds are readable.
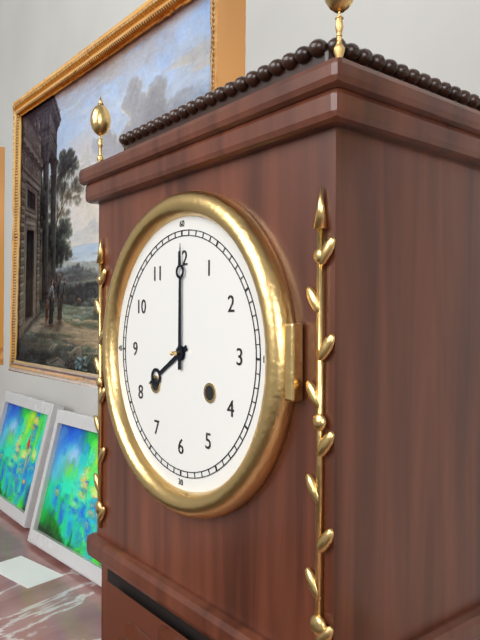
**8:00**
